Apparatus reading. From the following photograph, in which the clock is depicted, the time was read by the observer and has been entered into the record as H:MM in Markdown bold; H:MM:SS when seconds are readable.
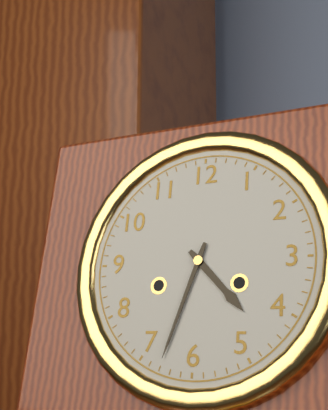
**4:33**
